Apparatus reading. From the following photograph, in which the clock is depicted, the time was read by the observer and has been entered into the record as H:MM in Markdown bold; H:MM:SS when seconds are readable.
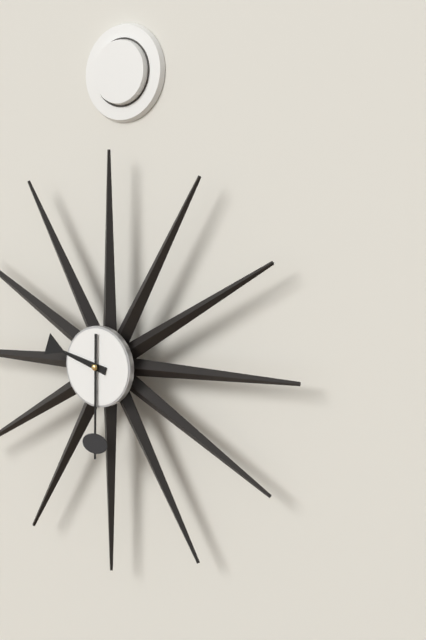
**9:30**
